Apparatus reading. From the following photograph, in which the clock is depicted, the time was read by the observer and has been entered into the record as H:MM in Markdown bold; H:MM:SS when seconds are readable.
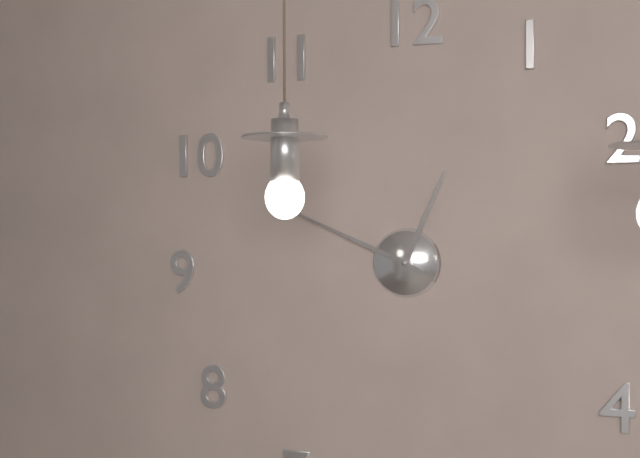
**12:49**
